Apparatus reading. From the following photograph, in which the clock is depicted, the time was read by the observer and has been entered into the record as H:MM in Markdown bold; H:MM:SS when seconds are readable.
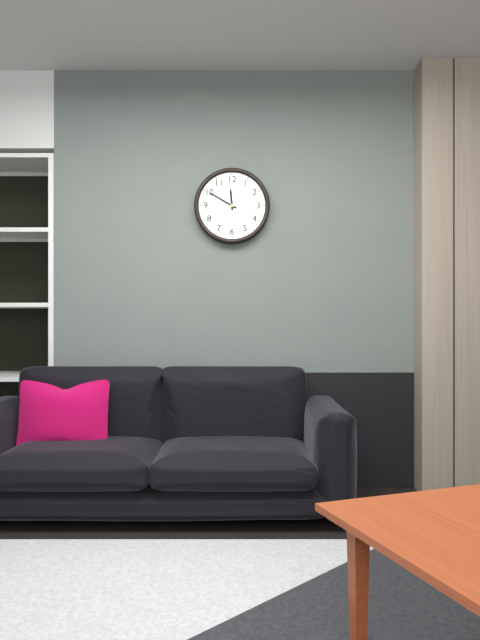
**11:50**
